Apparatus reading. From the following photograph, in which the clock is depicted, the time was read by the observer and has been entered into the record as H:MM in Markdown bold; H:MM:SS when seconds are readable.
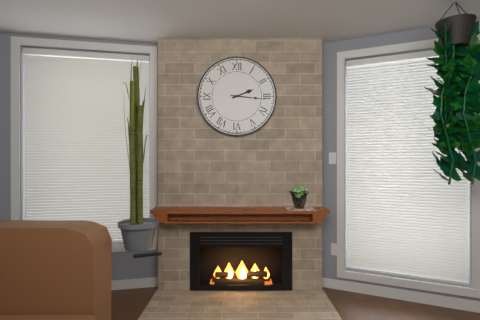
**2:16**
